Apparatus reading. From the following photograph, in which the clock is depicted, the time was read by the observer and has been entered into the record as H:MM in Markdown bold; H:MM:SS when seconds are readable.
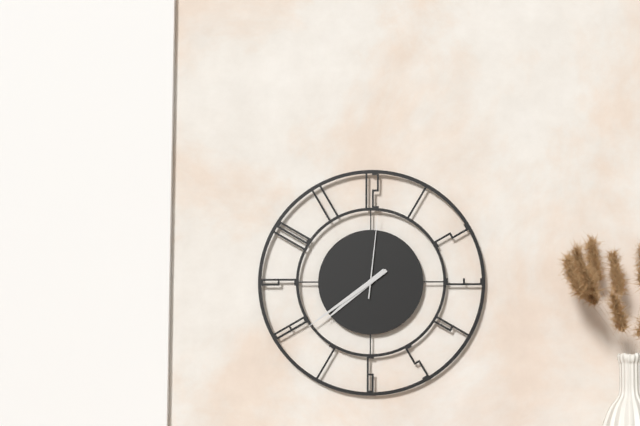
**7:39:01**
